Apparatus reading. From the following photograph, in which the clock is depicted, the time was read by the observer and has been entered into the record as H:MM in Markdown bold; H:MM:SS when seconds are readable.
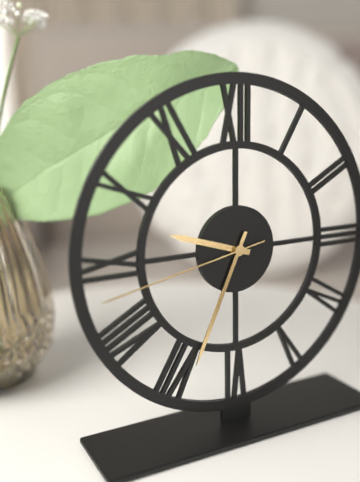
**9:34:43**
